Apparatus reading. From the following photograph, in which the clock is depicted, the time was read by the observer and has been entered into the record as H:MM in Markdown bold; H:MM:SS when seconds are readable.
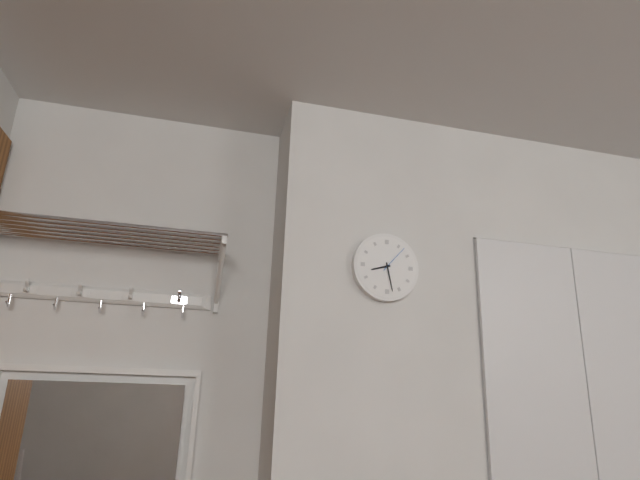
**8:28**
